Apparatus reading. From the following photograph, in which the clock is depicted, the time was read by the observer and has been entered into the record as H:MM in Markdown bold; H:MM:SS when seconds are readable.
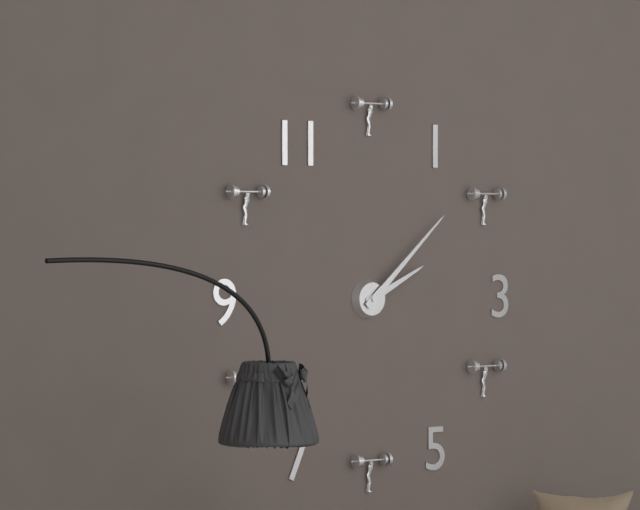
**2:08**
